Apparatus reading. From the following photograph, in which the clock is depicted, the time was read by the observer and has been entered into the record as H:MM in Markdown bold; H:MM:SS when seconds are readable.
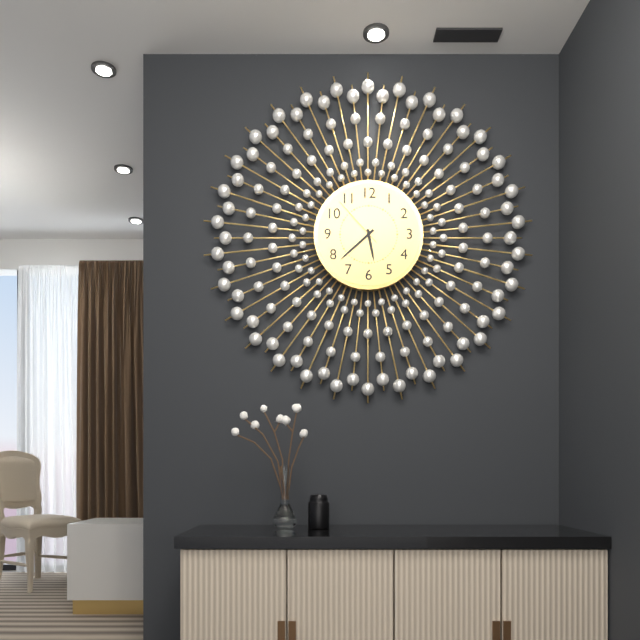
**5:38:53**
